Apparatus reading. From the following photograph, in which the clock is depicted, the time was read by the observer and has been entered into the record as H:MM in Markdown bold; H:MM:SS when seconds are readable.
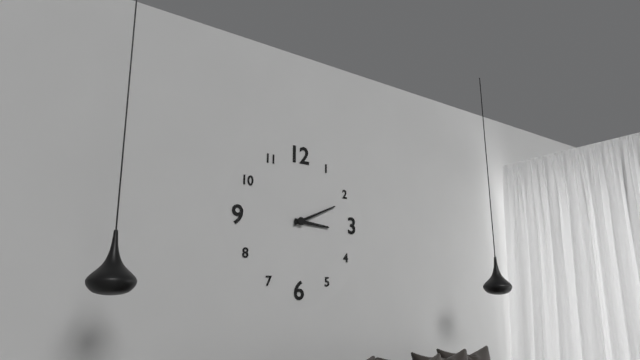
**3:11**
